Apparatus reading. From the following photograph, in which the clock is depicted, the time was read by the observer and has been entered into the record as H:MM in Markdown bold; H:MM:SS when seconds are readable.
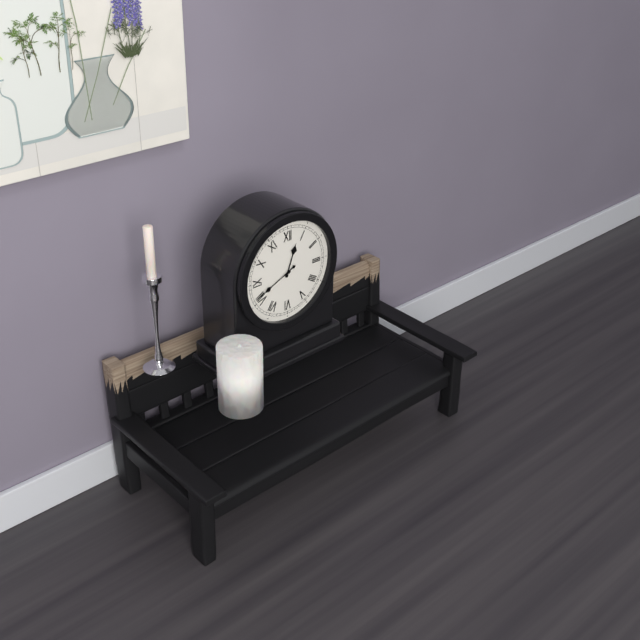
**12:41**
